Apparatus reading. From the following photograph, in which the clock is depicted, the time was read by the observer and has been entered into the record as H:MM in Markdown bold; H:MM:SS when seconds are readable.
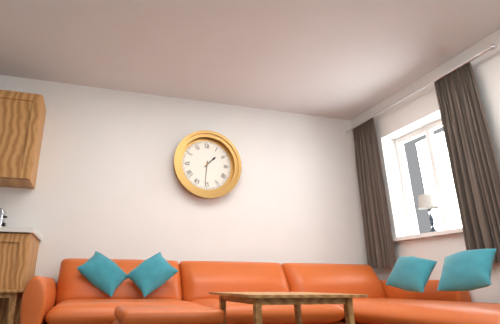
**1:31**
